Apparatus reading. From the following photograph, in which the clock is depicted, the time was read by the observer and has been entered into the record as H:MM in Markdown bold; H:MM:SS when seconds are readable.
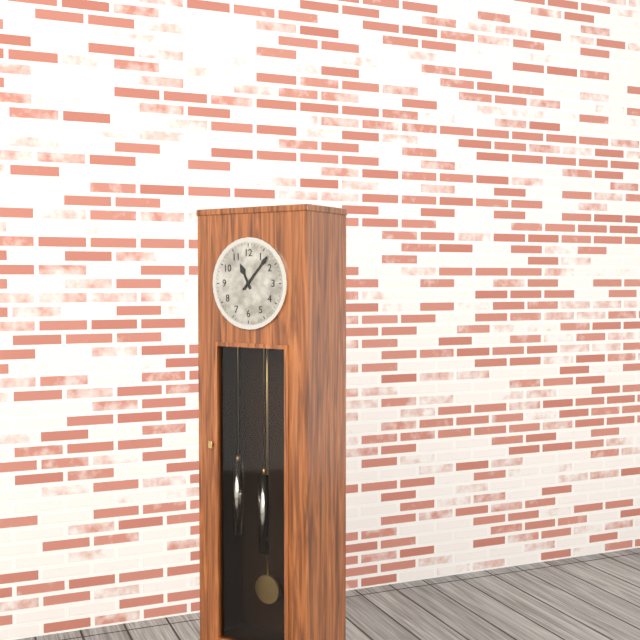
**11:07**
